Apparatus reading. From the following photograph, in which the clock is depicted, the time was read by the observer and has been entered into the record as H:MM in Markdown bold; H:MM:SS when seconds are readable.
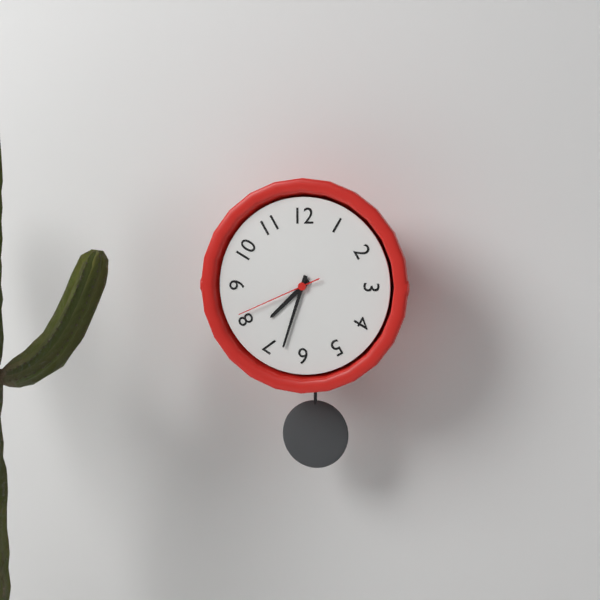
**7:33:41**
